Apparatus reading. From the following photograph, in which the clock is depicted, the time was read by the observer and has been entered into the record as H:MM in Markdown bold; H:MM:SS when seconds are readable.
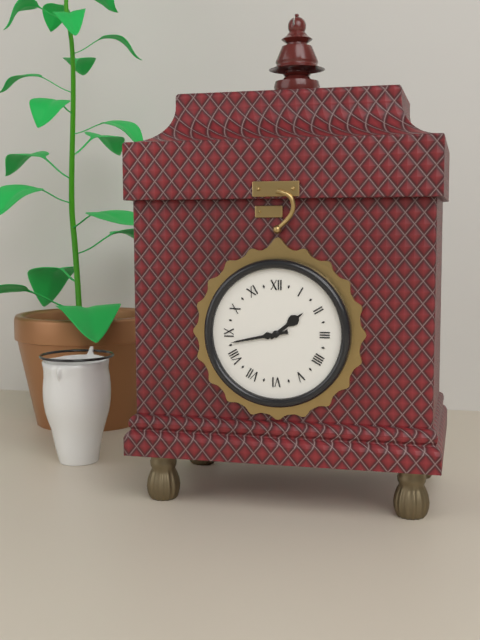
**1:43**
